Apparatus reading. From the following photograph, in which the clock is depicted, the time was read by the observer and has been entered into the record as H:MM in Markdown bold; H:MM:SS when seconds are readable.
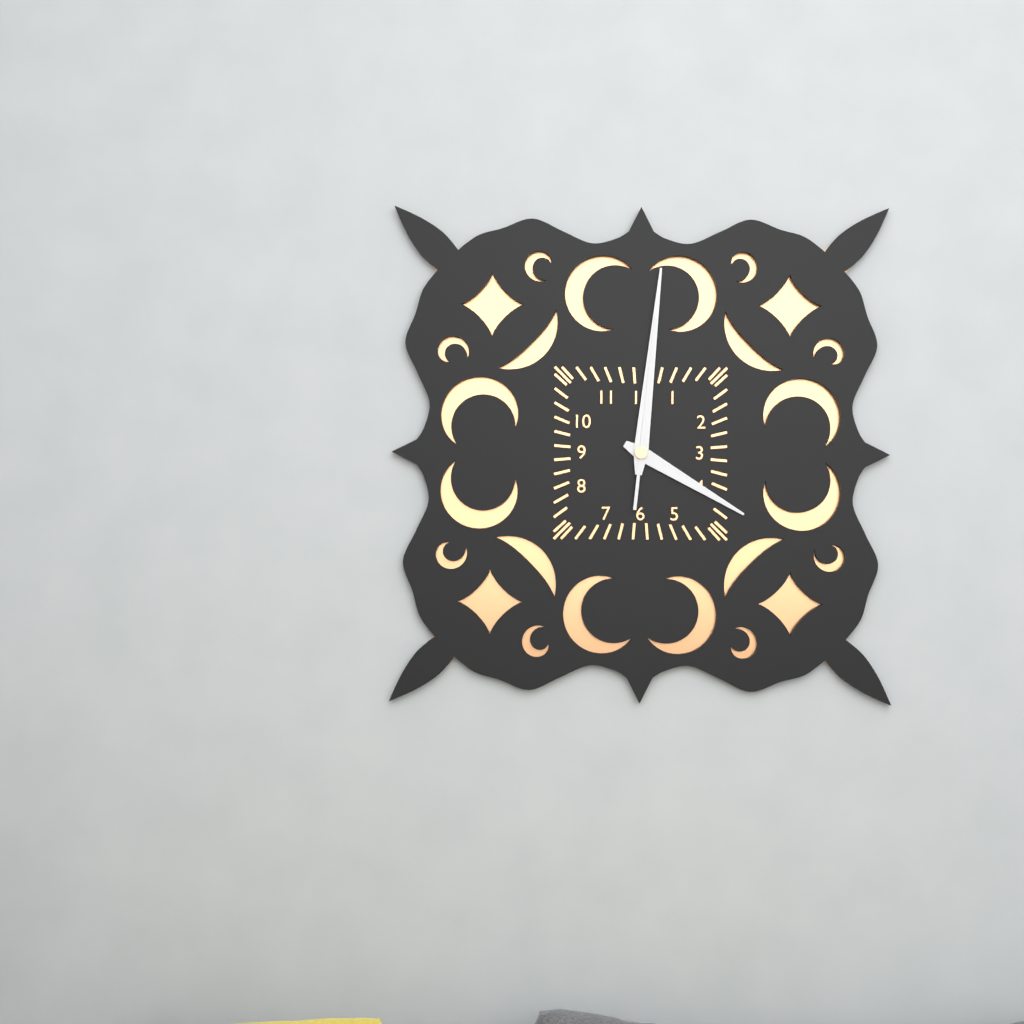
**4:01:01**
